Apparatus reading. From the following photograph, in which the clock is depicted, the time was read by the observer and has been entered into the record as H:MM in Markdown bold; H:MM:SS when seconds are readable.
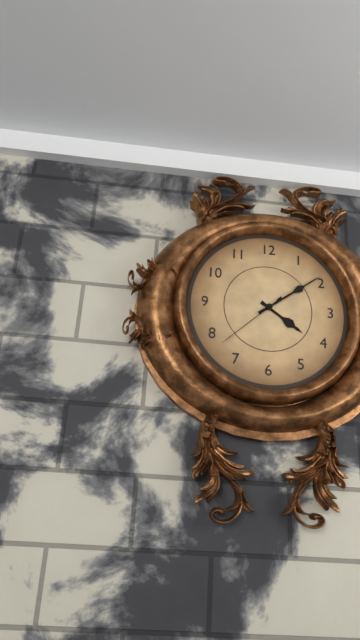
**4:09:38**
